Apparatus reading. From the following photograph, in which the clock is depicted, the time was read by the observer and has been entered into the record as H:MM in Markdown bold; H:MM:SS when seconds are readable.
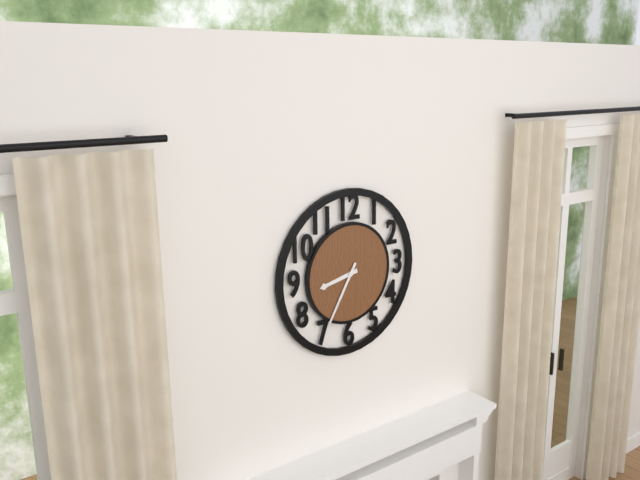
**8:35**
